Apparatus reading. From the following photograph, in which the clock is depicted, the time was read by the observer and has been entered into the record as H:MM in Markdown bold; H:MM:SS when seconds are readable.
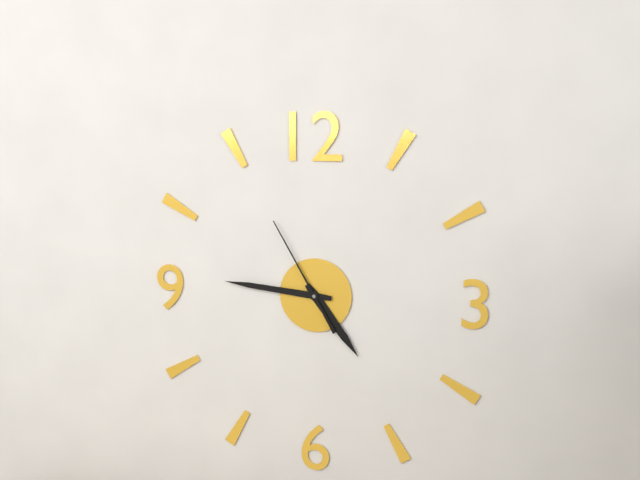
**4:46:55**
